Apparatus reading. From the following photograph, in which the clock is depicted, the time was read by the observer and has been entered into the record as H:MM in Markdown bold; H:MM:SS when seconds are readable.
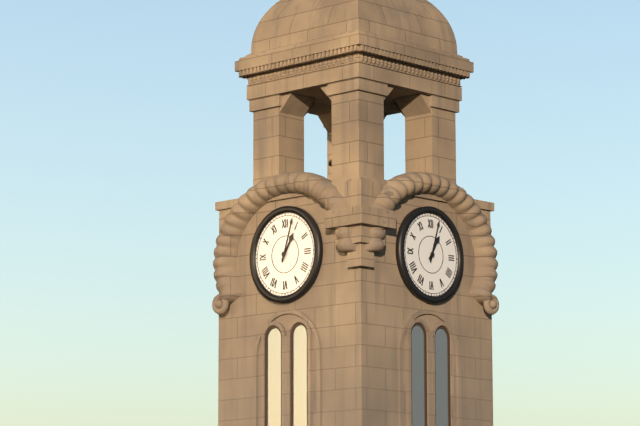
**1:03**
